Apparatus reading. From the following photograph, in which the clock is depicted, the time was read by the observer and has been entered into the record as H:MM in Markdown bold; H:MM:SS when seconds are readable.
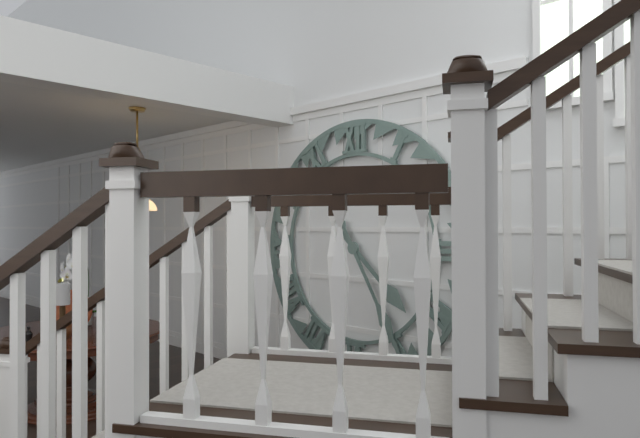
**4:25**
